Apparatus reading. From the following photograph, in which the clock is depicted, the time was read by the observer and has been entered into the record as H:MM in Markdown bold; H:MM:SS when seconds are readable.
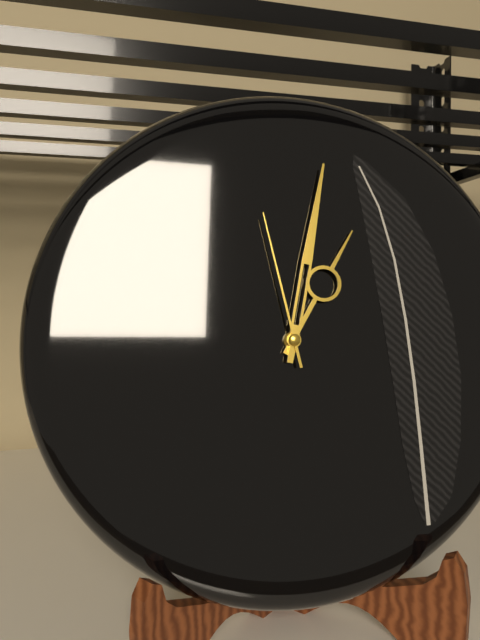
**1:02:58**
